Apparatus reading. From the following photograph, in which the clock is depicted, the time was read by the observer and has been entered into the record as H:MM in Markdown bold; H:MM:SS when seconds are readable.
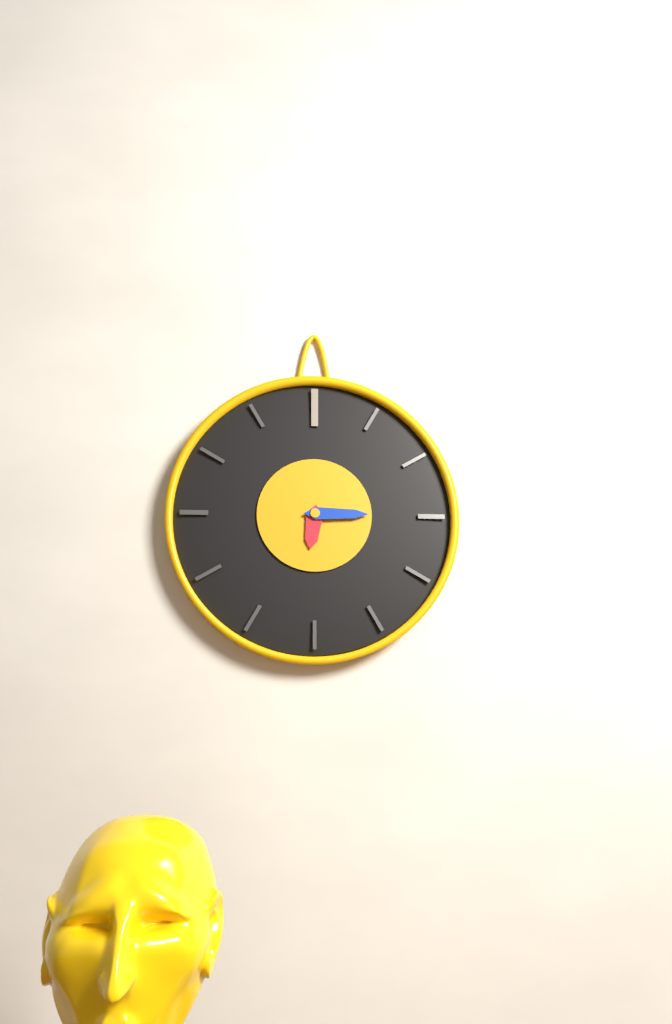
**6:15**
